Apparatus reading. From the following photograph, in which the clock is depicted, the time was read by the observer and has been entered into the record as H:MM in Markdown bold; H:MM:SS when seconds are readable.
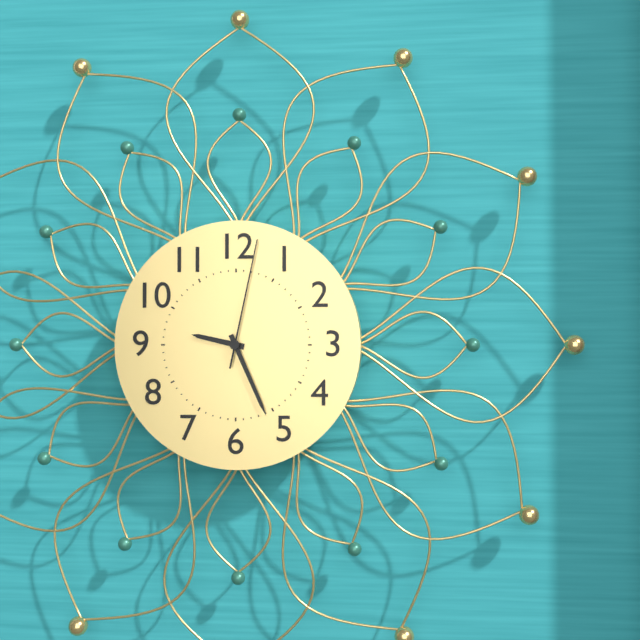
**9:26:02**
